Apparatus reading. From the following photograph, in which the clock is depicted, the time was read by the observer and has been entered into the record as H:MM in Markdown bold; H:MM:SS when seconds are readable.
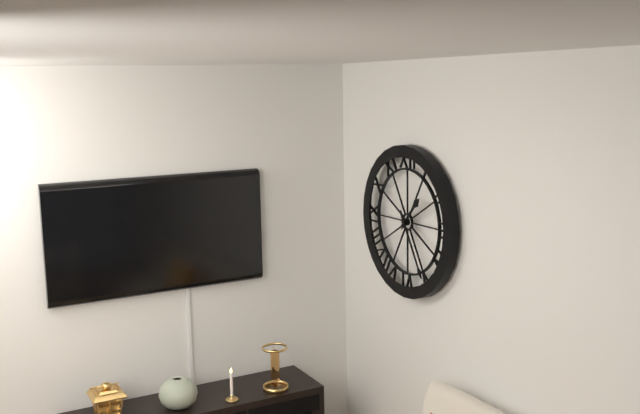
**1:25**
